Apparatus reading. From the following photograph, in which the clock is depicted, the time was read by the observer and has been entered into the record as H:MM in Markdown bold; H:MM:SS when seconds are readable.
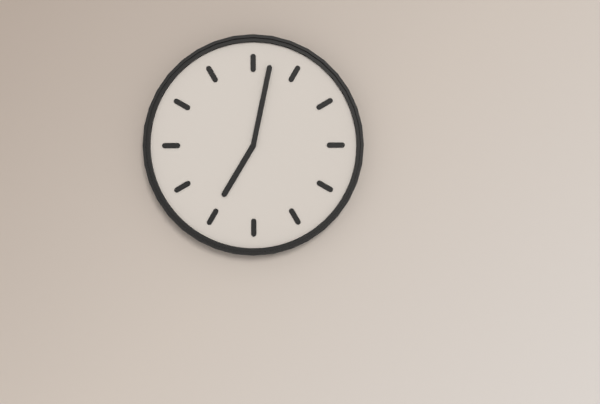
**7:02**
